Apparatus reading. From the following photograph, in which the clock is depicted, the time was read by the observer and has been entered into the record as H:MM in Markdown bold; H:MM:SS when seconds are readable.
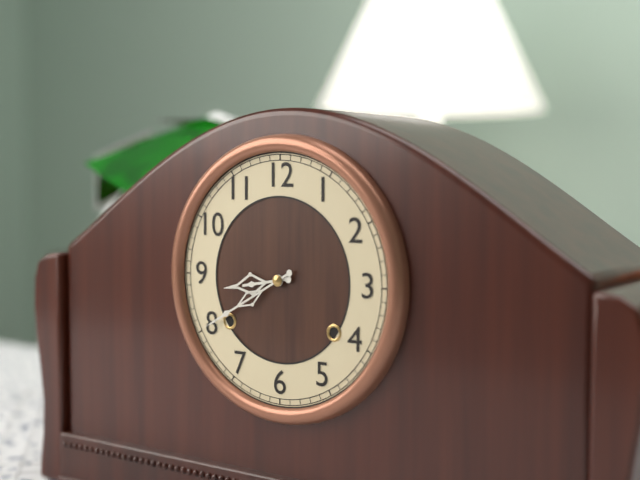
**8:40**
